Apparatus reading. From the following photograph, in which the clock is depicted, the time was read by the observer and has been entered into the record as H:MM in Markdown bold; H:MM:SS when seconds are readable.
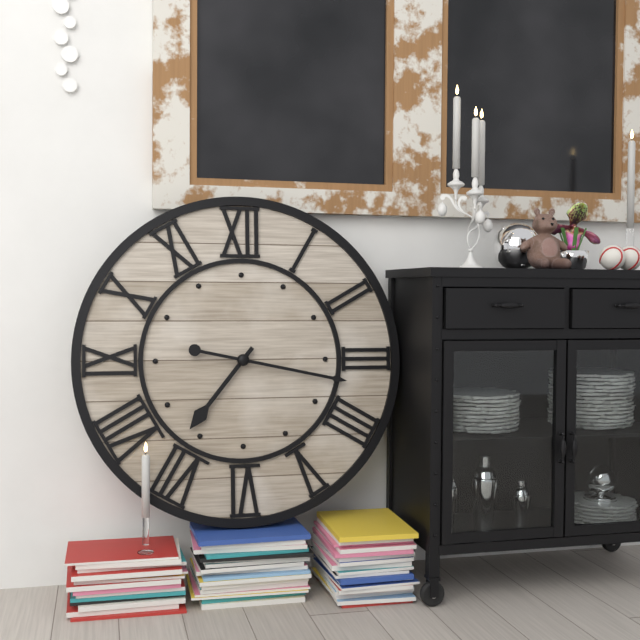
**7:17**
